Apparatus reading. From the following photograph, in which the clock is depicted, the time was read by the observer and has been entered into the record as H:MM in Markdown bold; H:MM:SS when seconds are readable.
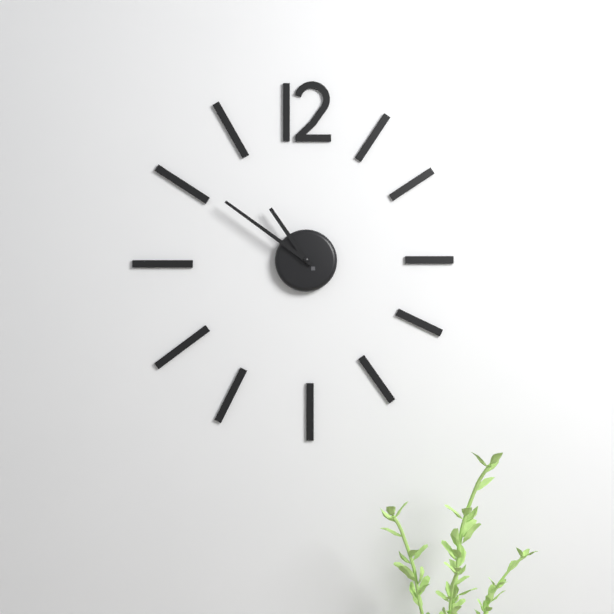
**10:51**
